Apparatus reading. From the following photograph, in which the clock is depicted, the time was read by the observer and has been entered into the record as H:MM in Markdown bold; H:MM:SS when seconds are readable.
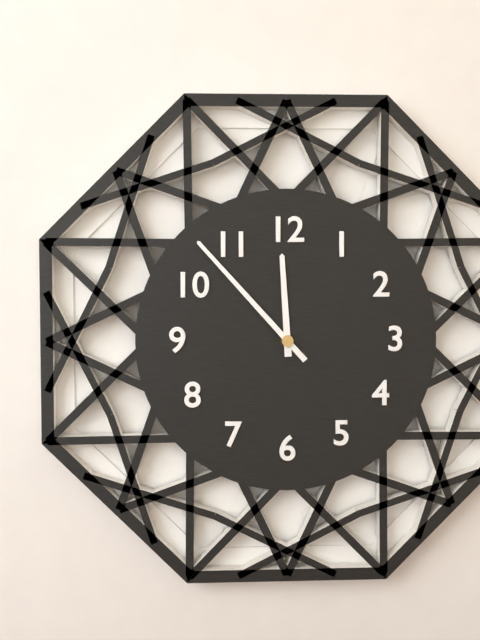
**11:53**
